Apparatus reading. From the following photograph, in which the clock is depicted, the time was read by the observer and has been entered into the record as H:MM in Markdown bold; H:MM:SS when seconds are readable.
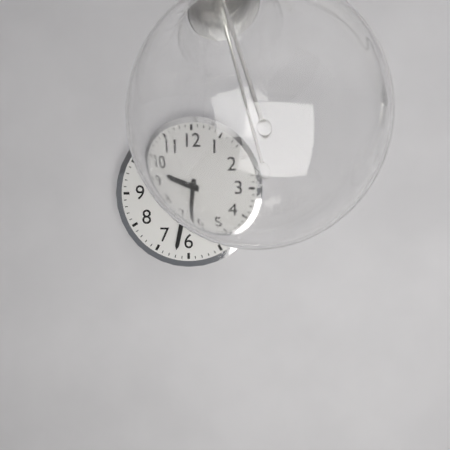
**9:32**
